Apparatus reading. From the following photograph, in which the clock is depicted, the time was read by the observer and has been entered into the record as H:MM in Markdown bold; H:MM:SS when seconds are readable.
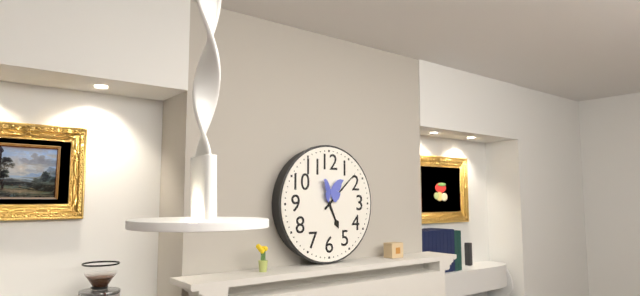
**5:08**
